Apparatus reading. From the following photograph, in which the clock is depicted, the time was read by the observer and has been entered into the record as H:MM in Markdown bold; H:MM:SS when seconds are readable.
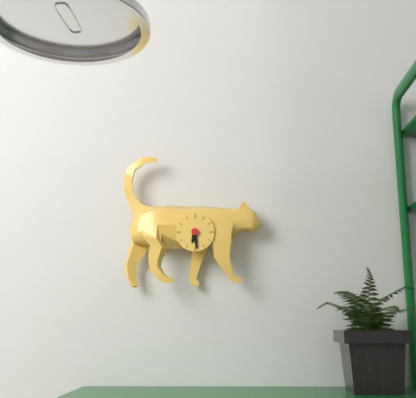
**6:29**
